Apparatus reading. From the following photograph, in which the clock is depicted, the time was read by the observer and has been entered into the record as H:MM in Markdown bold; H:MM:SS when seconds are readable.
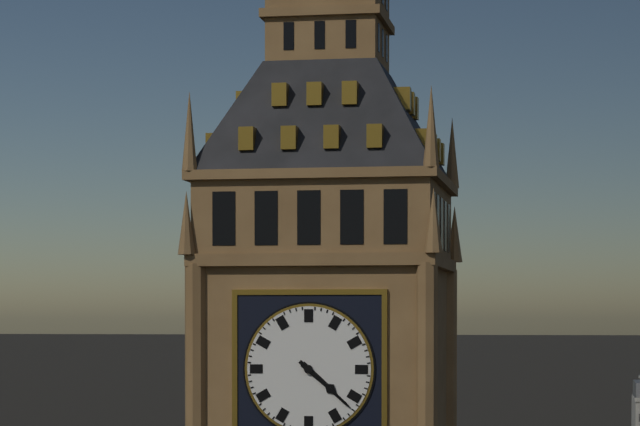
**4:22**
